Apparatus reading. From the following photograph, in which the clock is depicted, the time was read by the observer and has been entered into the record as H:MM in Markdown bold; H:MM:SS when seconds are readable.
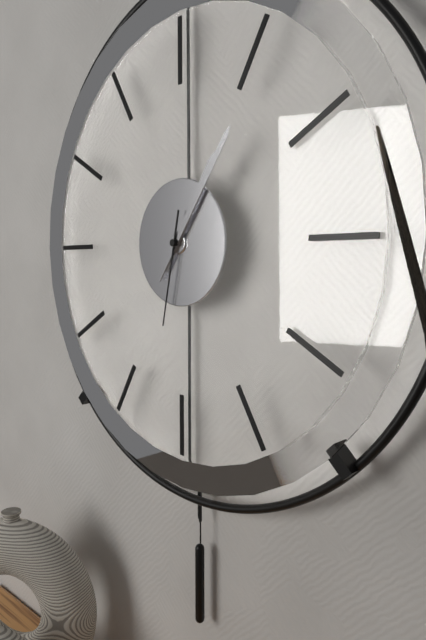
**1:06:32**
